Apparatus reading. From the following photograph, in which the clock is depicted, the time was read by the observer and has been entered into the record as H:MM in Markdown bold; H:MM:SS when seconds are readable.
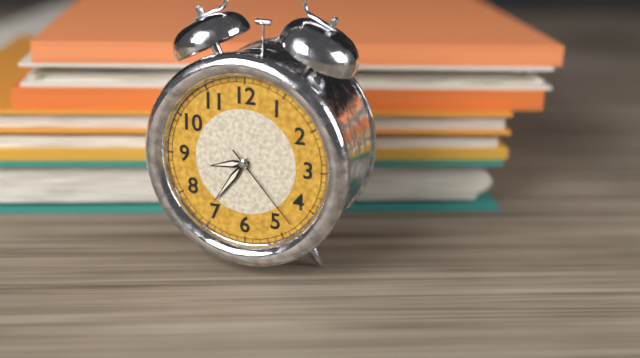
**8:36:23**
